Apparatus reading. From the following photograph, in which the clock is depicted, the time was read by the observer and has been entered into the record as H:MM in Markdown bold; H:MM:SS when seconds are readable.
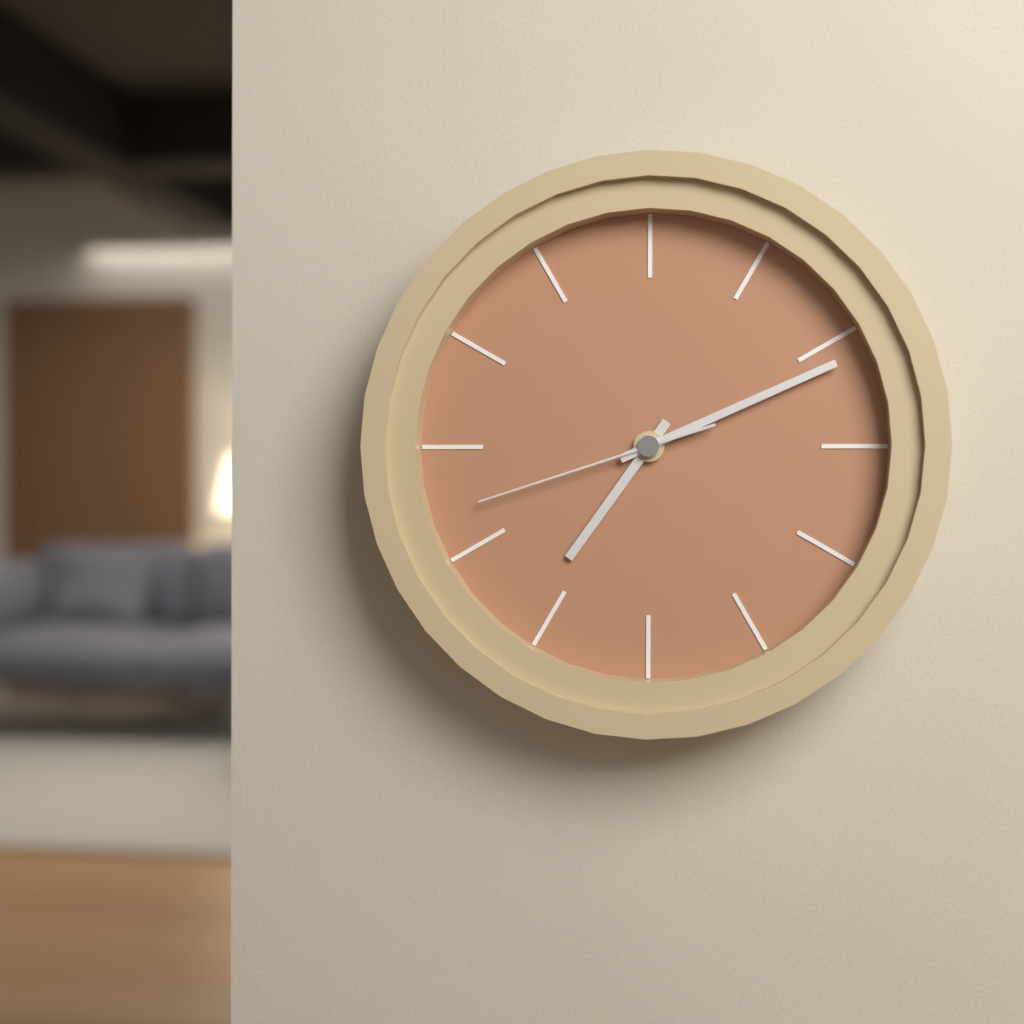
**7:11:42**
